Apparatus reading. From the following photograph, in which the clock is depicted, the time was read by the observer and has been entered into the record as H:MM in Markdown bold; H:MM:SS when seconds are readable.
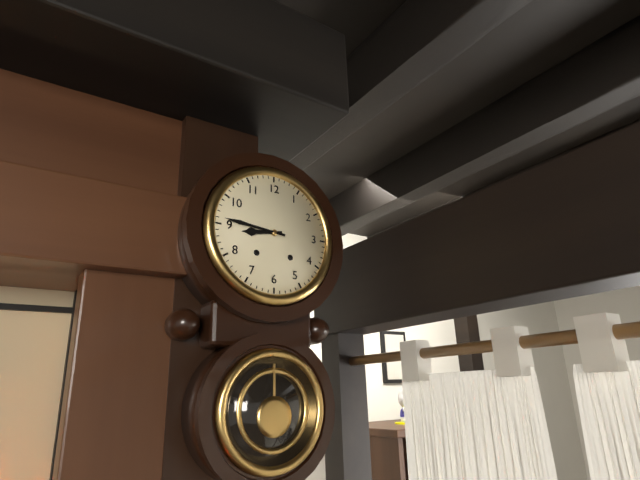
**8:46**
